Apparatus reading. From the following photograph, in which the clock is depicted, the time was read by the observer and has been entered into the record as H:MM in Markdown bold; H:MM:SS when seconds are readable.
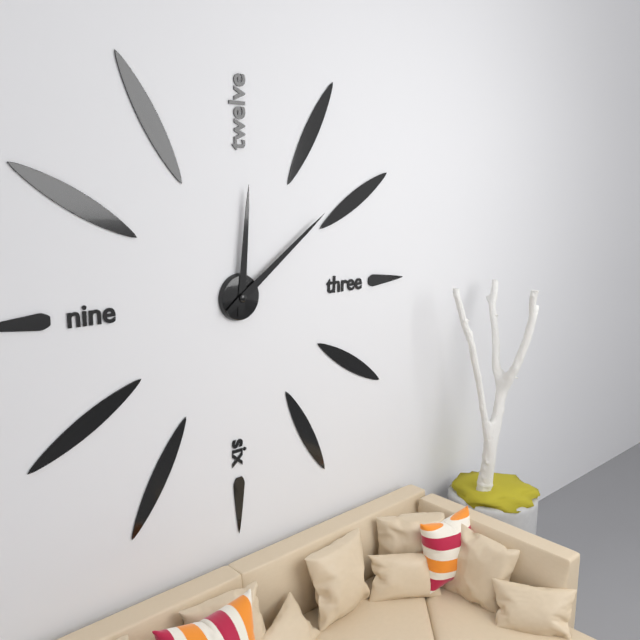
**12:09**
